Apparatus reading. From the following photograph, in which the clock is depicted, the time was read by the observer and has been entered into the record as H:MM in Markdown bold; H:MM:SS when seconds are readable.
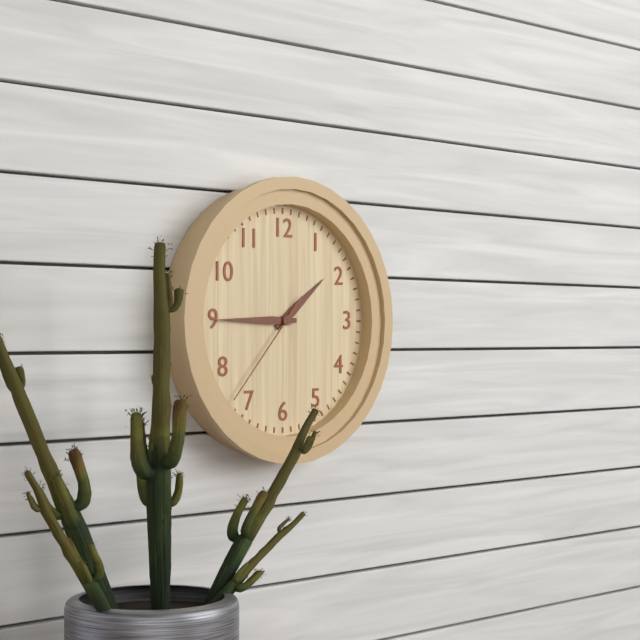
**1:45:37**
